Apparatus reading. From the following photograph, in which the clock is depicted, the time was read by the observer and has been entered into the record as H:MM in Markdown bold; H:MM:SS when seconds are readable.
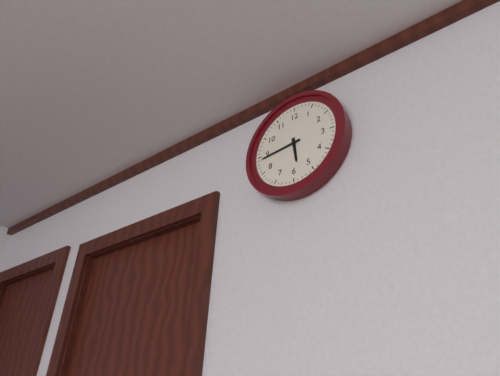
**5:44**
